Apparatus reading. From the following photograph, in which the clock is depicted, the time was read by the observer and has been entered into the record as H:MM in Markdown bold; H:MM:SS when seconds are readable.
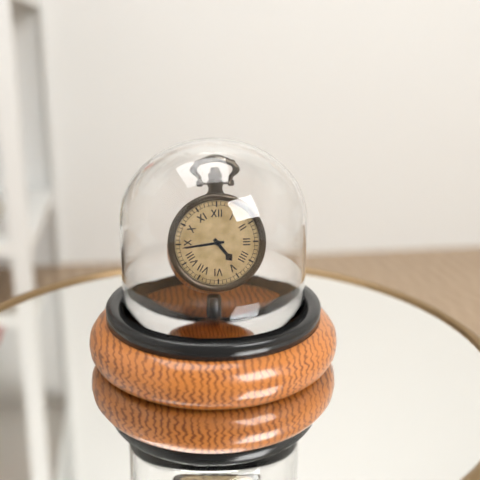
**4:44**
